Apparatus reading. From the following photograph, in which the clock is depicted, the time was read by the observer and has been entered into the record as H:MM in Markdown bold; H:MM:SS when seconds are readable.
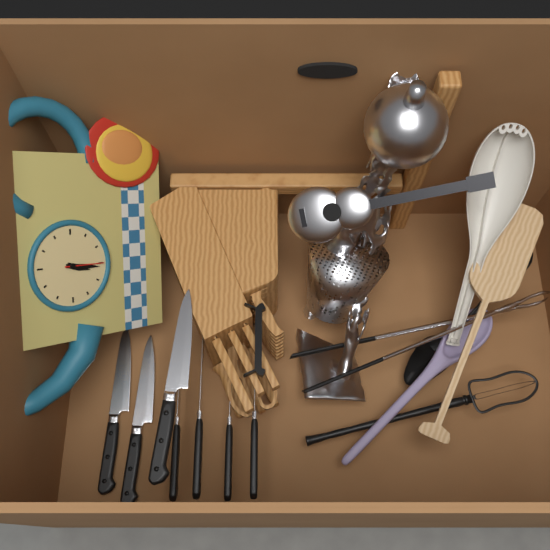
**6:31**
